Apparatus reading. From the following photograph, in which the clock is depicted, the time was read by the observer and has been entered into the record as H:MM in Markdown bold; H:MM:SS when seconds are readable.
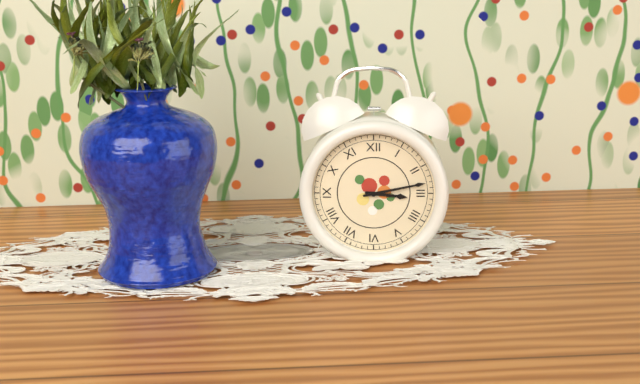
**3:13**
